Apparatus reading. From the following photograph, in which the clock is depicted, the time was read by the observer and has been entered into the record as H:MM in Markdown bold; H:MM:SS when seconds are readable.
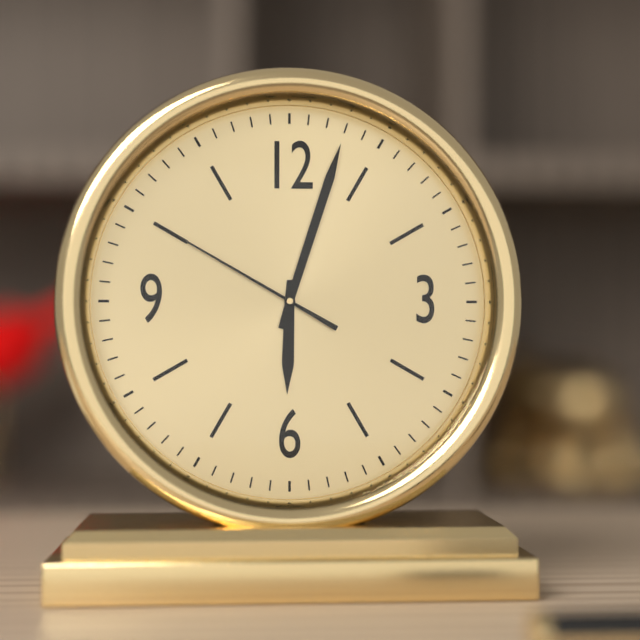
**6:03:50**
